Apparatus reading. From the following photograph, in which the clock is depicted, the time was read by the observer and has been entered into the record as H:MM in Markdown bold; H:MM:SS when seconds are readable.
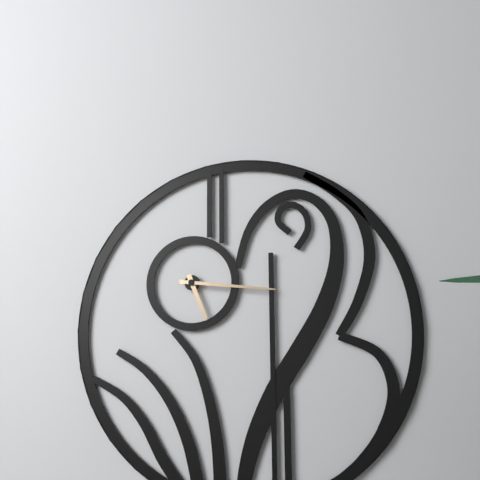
**5:16**
